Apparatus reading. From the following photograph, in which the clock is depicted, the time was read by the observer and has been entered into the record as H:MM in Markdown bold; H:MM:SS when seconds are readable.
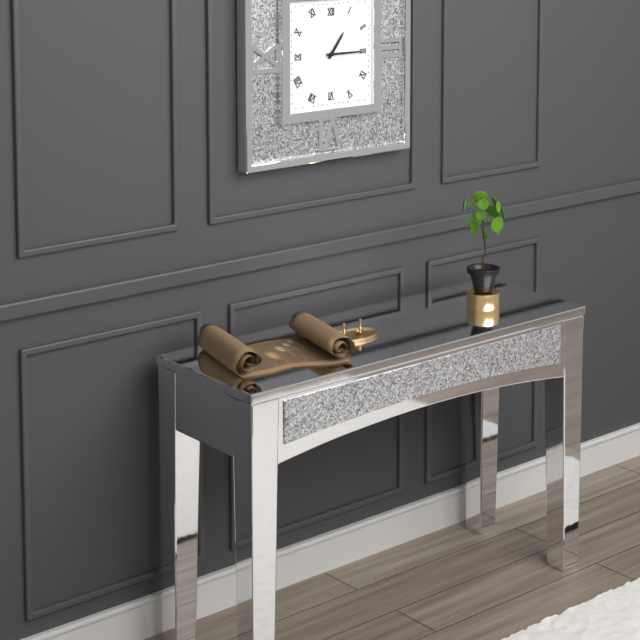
**1:15**
